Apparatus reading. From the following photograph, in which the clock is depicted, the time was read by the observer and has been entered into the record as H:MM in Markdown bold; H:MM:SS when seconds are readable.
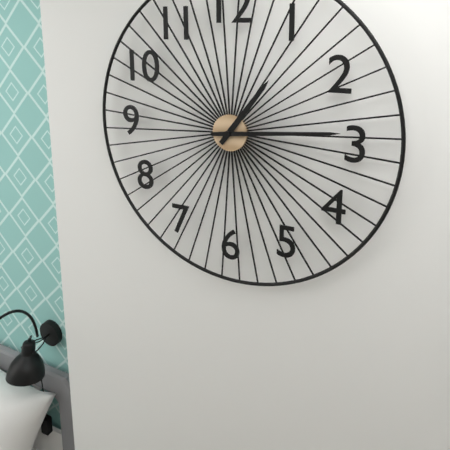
**1:14**
